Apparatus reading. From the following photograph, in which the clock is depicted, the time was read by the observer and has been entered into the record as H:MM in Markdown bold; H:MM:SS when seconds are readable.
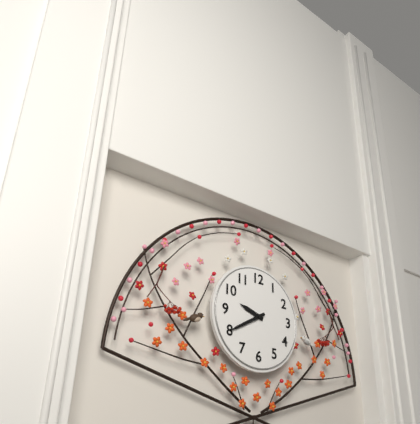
**9:40**
